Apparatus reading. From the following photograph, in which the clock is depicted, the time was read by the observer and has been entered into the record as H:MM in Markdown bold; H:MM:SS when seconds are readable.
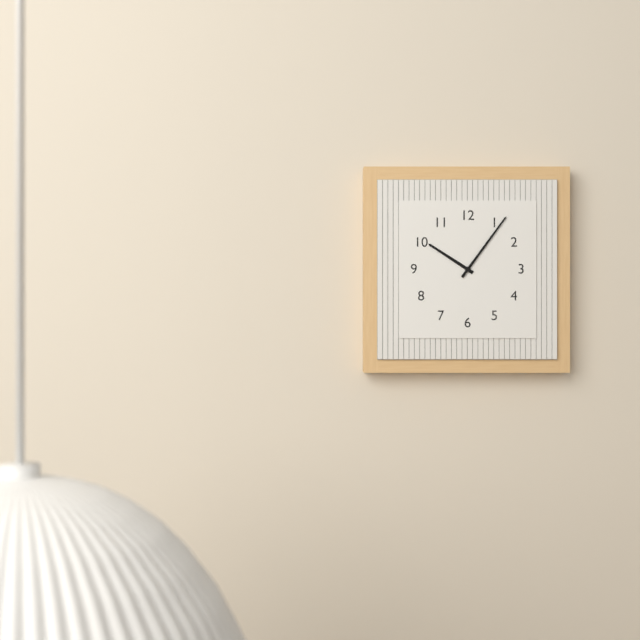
**10:06**
